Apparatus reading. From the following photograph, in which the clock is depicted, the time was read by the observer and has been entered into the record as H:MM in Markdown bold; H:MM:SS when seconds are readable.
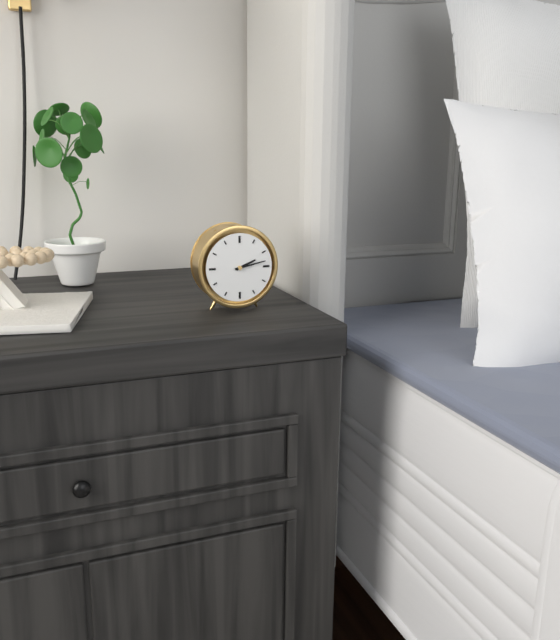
**2:13**
